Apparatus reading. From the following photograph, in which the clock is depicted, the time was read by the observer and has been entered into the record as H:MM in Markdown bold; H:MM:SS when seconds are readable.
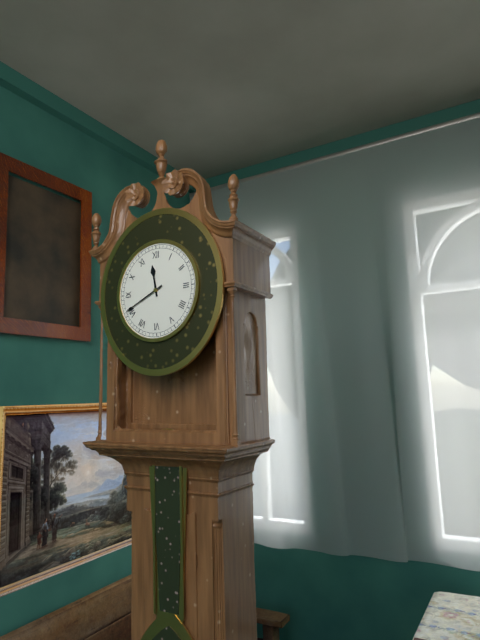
**11:41**
